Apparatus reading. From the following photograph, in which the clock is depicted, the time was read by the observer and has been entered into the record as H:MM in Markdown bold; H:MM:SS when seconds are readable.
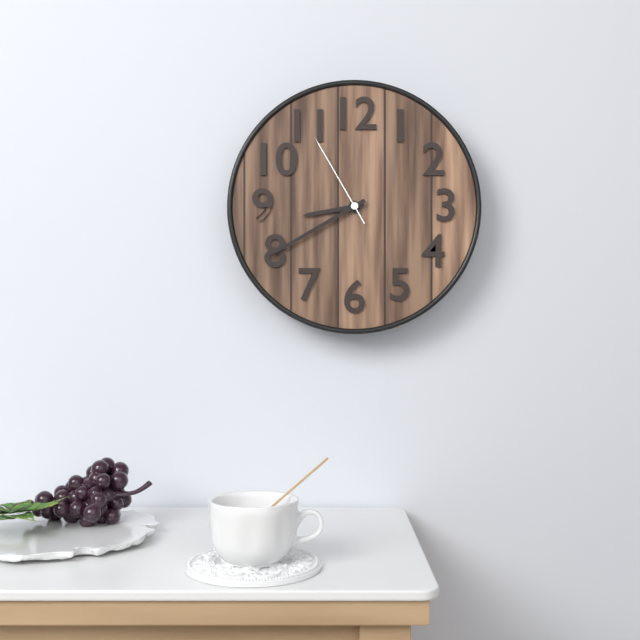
**8:40:55**
